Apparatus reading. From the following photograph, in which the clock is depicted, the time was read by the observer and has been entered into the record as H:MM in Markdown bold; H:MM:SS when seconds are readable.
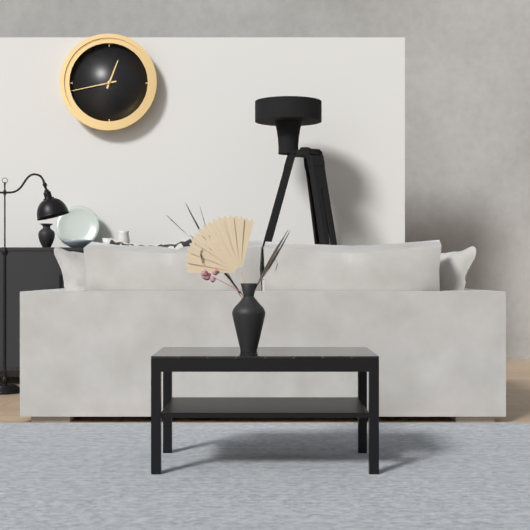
**12:43**
